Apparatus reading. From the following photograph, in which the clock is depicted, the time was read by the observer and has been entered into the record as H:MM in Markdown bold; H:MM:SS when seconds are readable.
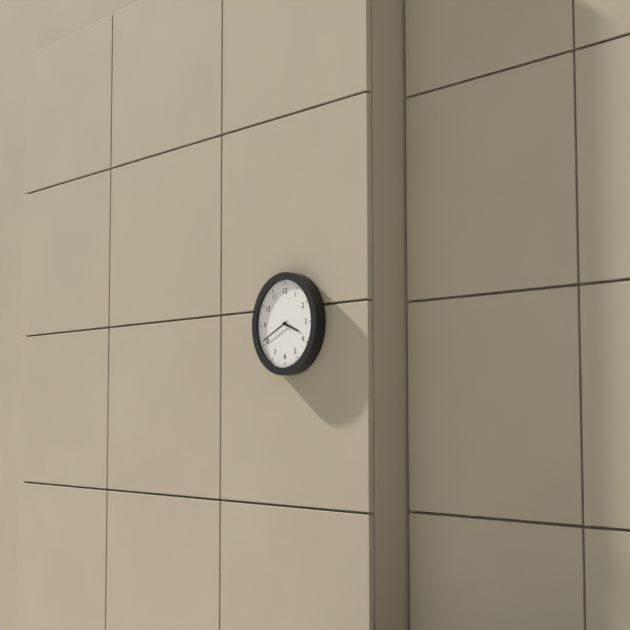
**3:41**
